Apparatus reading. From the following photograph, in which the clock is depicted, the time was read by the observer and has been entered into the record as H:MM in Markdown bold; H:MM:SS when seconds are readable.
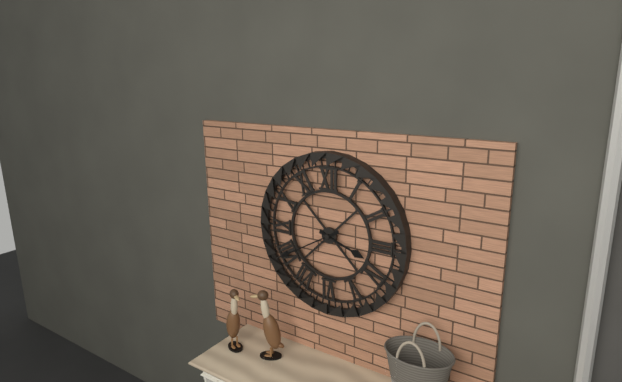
**3:40**
